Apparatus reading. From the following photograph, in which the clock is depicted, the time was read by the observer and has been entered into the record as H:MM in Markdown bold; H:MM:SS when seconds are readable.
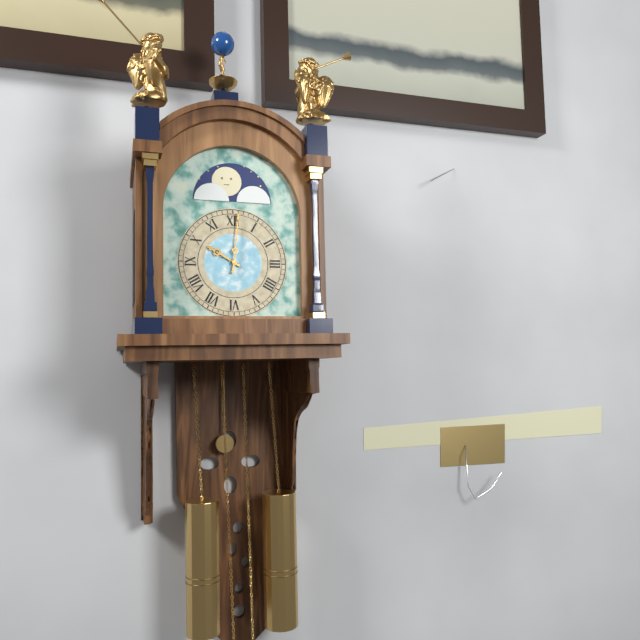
**10:01**
